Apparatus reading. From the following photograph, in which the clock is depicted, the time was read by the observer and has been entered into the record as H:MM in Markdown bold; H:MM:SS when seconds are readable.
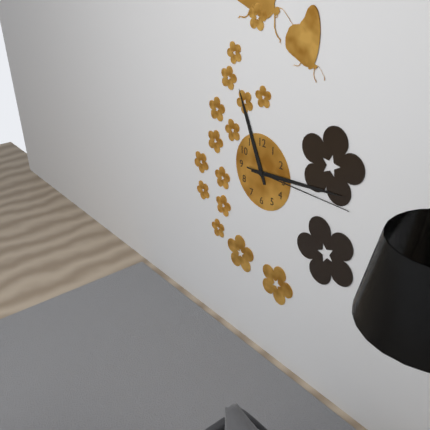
**11:14:15**
